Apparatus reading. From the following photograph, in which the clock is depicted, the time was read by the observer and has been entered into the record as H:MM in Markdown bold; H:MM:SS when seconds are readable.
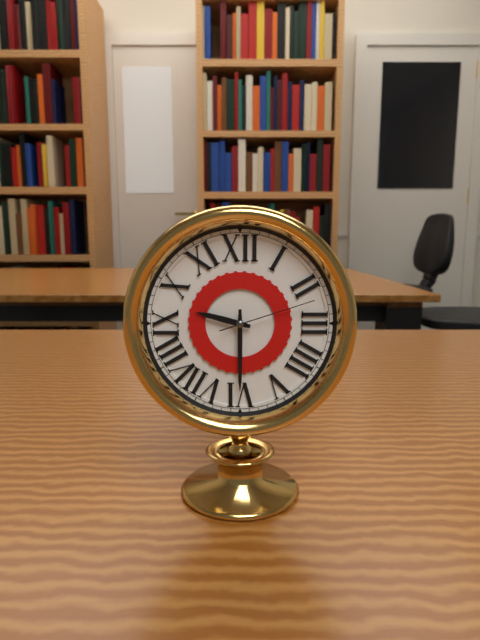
**9:30:12**
